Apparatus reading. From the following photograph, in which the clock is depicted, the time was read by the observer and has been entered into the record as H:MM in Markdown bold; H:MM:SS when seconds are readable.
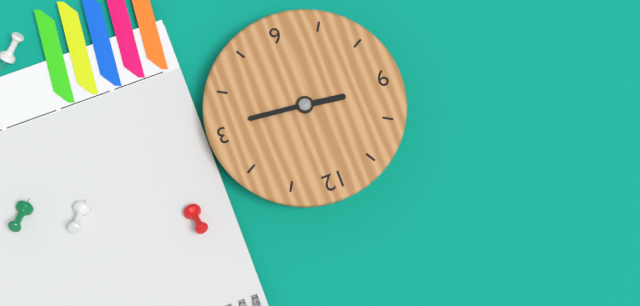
**9:16**
